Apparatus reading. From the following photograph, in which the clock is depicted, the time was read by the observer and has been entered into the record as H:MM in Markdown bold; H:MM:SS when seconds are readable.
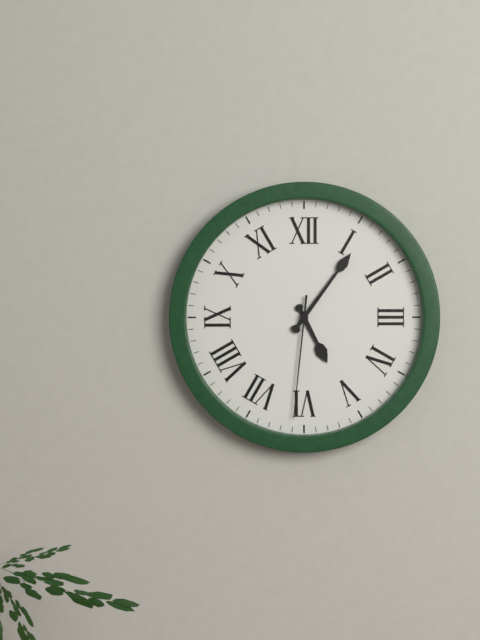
**5:06:31**
